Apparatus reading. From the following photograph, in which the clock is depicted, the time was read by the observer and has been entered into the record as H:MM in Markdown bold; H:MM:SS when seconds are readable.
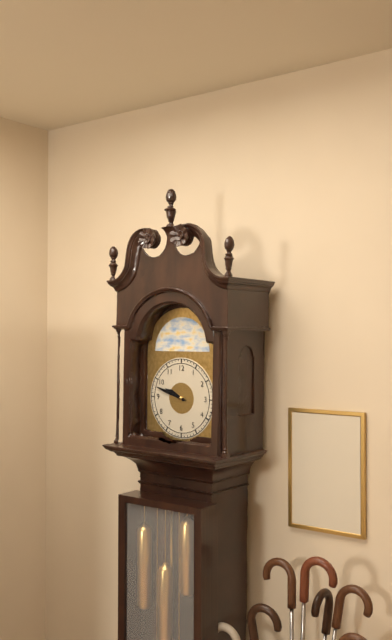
**9:48**
